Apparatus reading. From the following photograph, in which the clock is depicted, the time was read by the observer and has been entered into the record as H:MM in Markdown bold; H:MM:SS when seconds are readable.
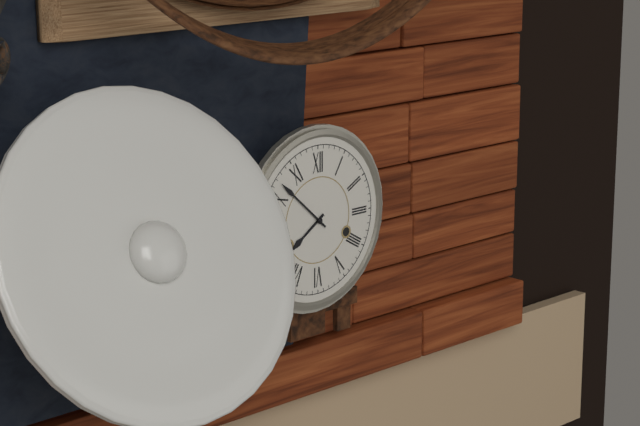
**7:52**
